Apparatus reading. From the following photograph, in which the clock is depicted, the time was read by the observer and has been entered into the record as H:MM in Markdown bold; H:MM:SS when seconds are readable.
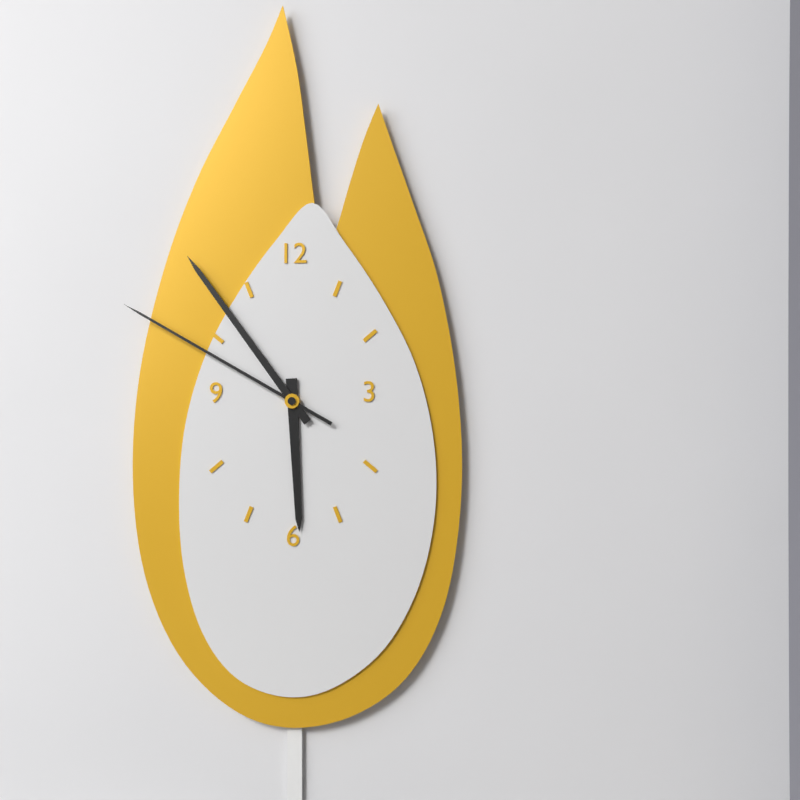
**5:54:50**
